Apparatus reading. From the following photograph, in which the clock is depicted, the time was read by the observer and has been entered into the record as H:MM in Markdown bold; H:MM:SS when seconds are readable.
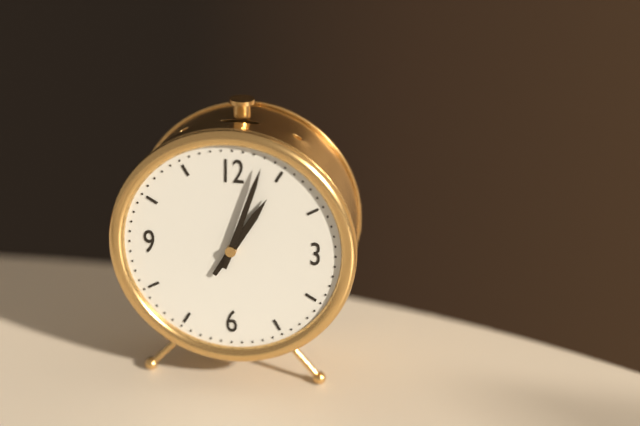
**1:03**
